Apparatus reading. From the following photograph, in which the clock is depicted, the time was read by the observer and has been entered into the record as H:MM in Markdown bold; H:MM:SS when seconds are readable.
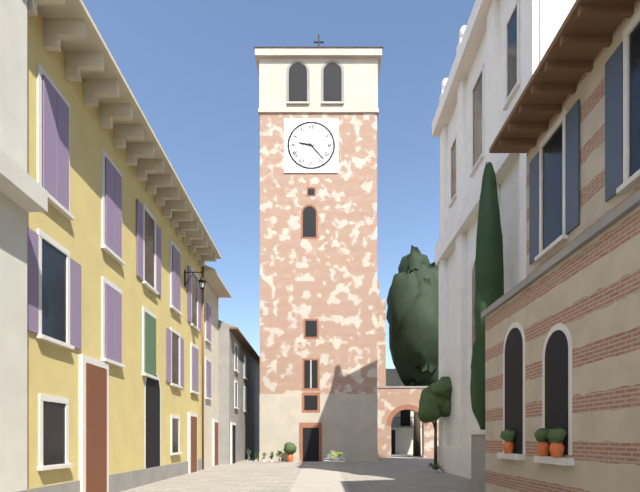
**9:23**
